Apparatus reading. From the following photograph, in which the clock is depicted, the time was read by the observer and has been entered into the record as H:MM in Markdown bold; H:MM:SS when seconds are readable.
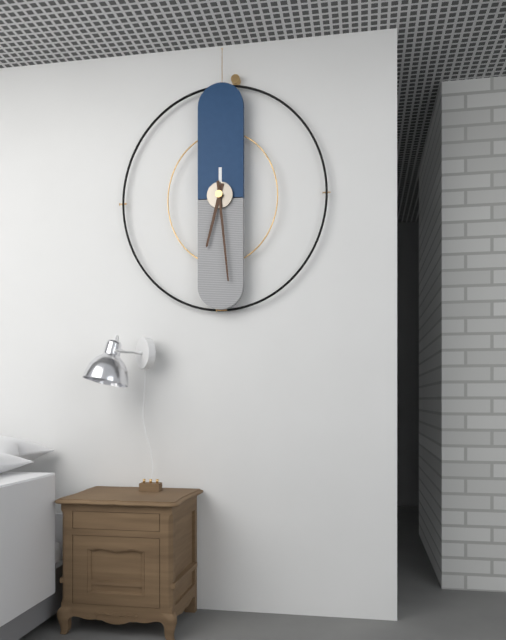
**6:29**
